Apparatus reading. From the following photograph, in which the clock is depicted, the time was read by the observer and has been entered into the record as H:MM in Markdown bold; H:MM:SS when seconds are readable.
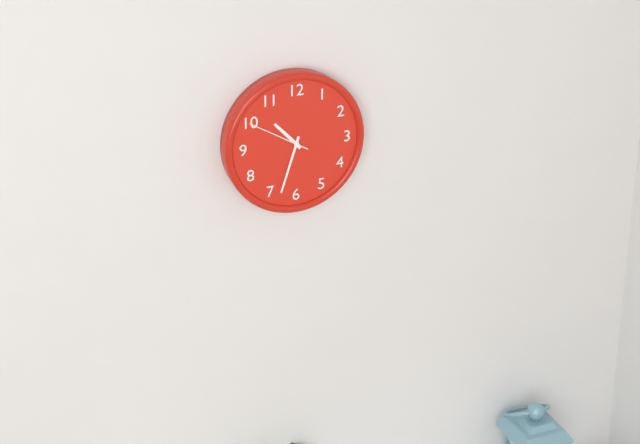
**10:33:50**
